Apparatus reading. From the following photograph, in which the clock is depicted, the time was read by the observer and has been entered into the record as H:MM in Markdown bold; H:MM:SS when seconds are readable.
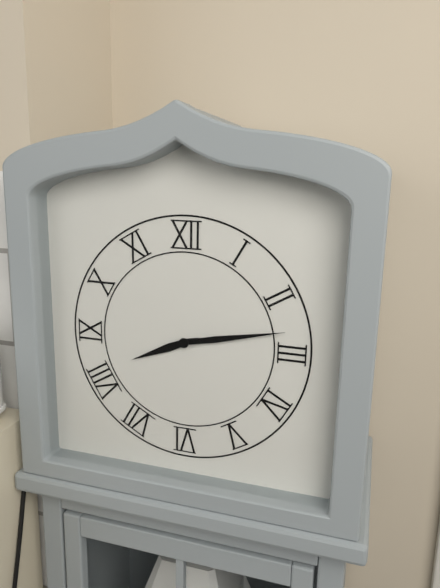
**8:13**
